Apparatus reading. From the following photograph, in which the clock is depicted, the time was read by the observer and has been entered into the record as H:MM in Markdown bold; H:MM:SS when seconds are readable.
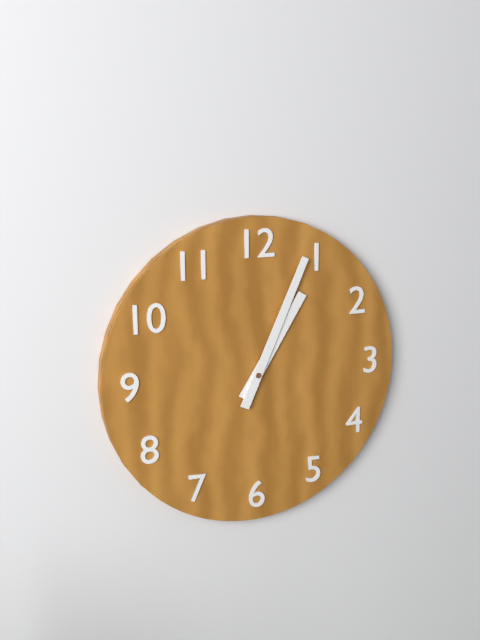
**1:04**
